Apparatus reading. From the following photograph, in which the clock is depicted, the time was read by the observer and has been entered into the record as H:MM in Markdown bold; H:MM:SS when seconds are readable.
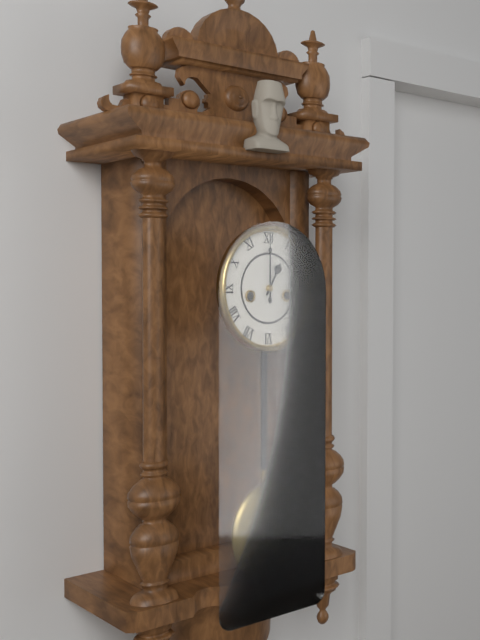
**1:00**
